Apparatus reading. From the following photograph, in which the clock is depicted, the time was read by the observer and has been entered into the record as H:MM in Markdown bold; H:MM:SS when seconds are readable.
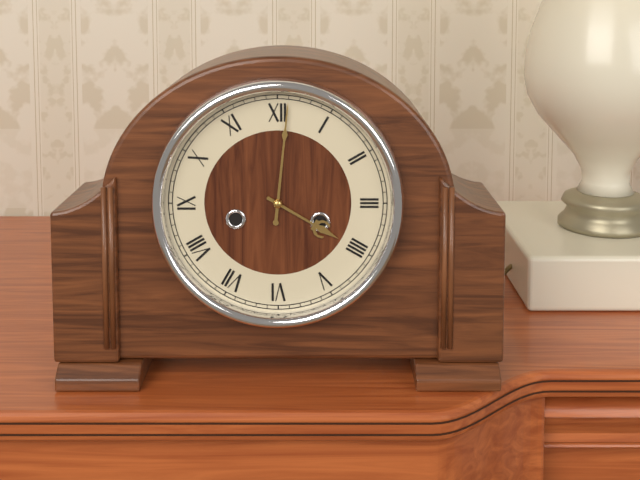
**4:01**
